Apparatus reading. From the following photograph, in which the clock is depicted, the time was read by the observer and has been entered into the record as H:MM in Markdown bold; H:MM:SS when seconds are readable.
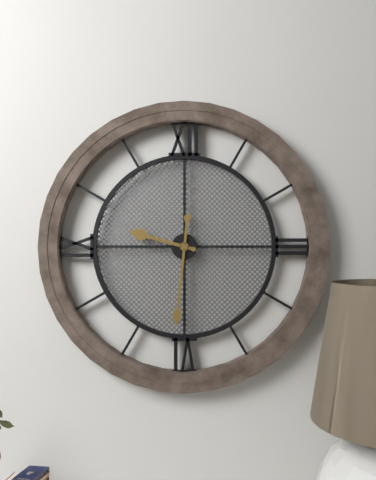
**9:31**
